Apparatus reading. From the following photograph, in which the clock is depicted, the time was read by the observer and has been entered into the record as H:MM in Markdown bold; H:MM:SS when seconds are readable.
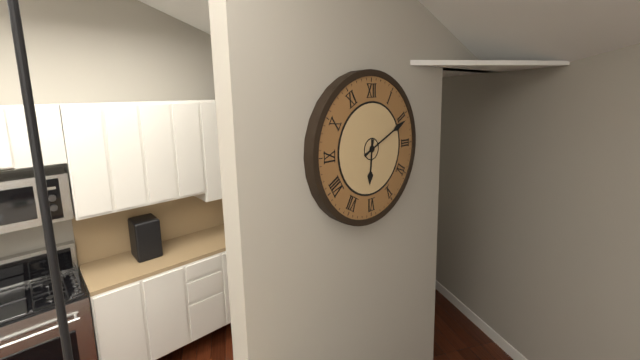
**6:11**
